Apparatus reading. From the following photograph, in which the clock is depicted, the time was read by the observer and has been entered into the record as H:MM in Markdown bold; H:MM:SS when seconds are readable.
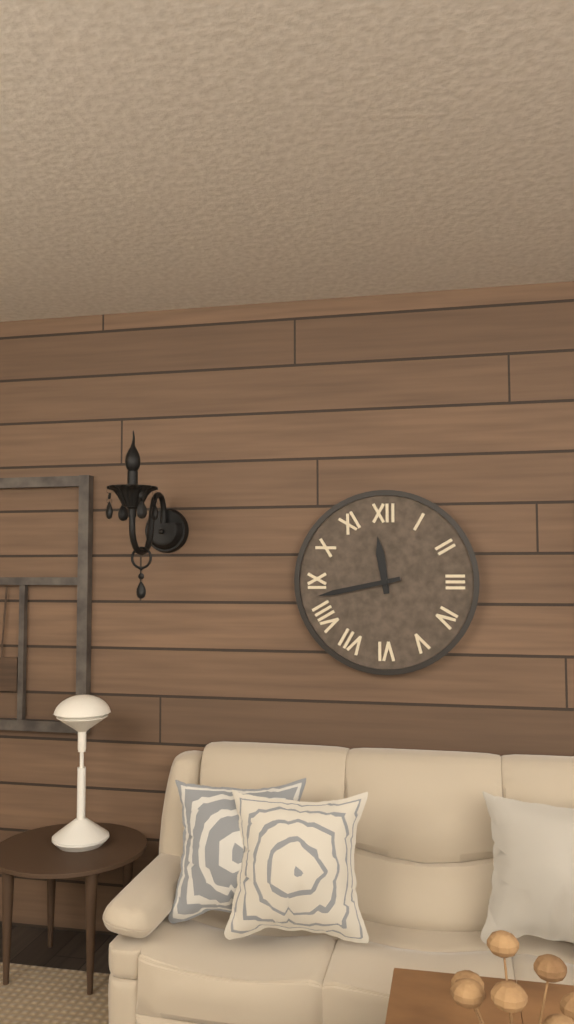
**11:43**
